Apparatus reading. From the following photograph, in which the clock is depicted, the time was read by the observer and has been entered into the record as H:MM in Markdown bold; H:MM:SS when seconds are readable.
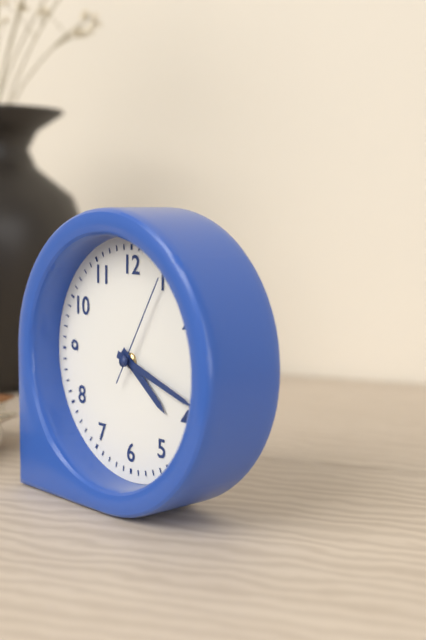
**4:18:05**
